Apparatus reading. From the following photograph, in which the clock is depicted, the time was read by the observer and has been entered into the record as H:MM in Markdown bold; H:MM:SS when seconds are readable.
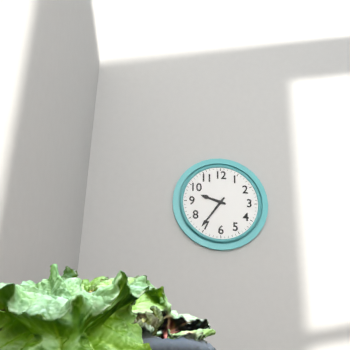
**9:36**
